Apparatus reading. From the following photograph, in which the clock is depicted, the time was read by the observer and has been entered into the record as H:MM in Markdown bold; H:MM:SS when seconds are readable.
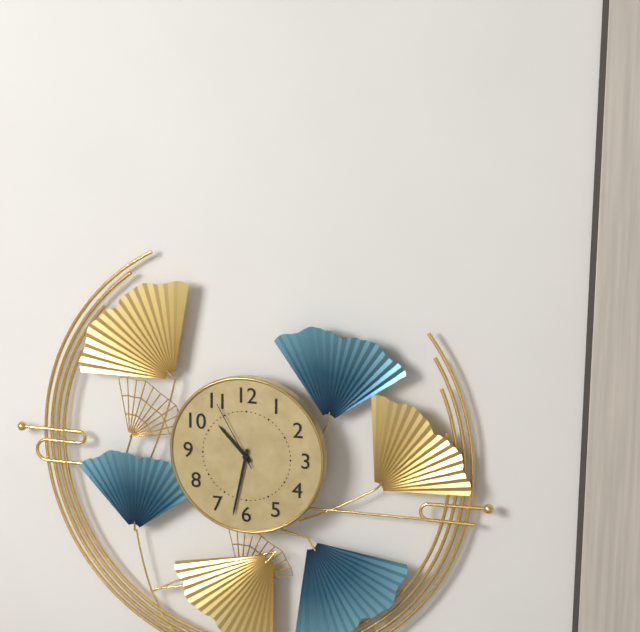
**10:32:55**
